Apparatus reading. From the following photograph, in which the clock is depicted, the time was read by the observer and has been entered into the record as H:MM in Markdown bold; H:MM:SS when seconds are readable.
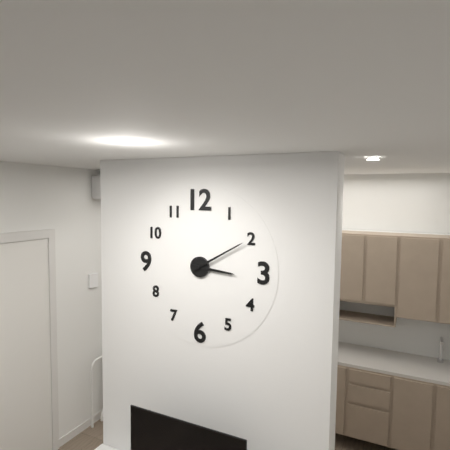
**3:10**
